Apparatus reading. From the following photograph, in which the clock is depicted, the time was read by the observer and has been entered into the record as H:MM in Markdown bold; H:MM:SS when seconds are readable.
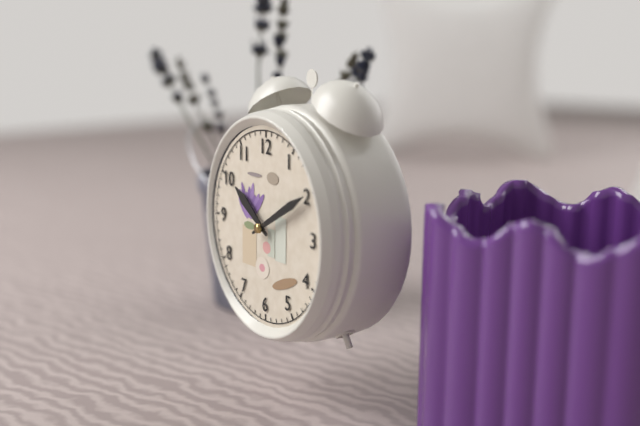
**10:10**
